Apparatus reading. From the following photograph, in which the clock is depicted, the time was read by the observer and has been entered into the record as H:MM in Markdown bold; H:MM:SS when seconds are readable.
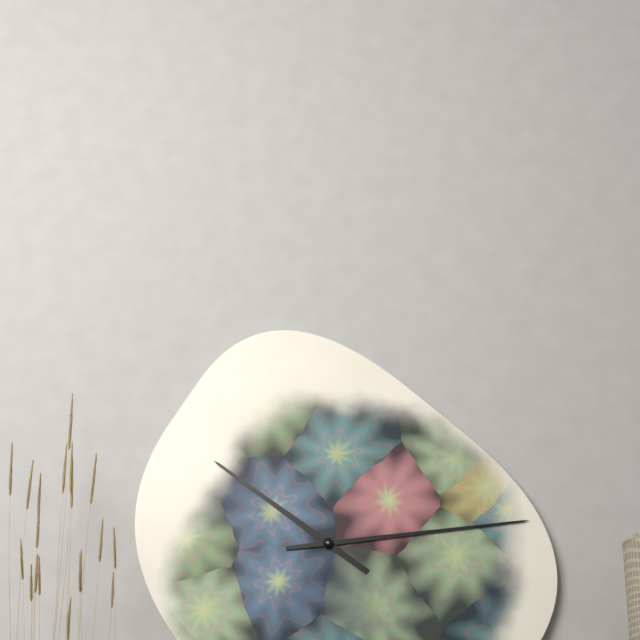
**10:14**
